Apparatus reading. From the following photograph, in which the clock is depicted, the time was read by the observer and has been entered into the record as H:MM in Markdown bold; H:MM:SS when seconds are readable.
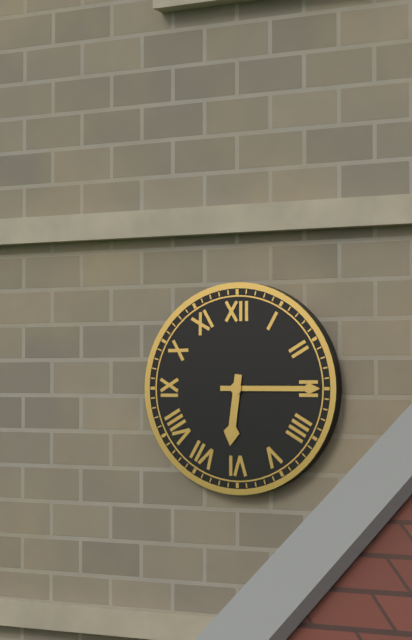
**6:15**
